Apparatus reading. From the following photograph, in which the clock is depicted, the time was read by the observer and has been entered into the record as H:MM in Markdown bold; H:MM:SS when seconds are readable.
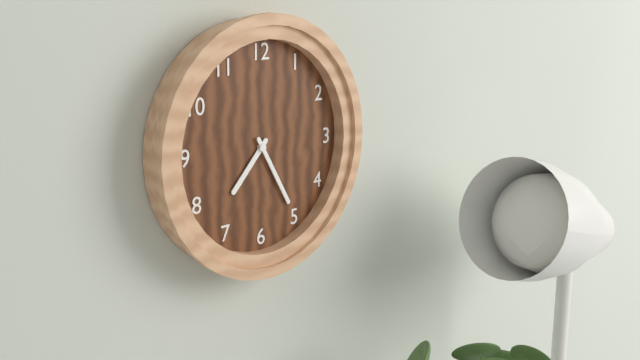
**7:25**
